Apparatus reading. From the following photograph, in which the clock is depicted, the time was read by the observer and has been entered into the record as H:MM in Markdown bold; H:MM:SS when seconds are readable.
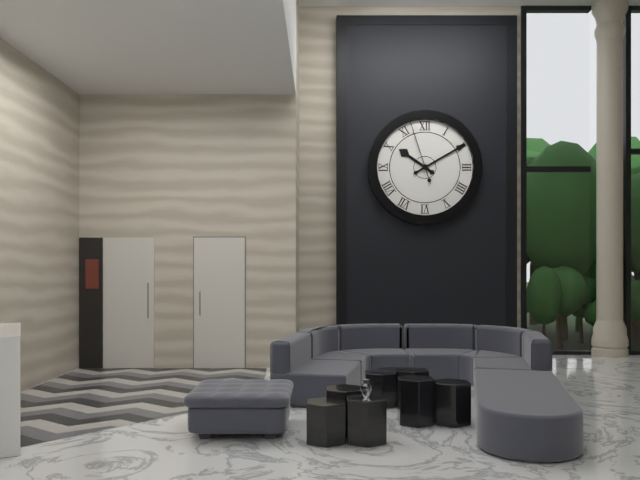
**10:10:57**
